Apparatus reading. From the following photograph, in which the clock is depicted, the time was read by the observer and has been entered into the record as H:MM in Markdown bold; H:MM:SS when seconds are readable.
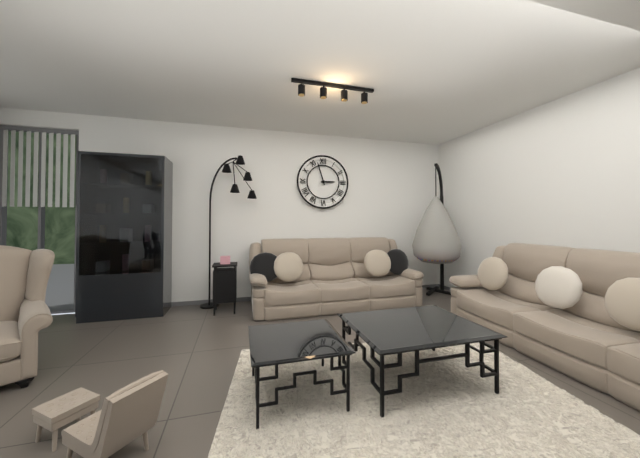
**2:57**
